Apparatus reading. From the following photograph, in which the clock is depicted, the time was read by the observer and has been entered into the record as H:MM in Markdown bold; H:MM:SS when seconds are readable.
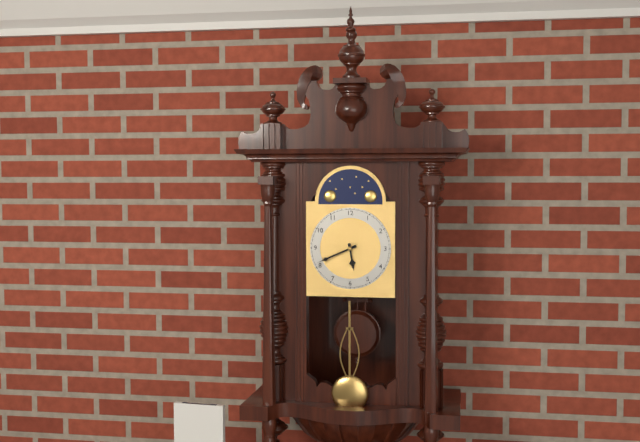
**5:41**
